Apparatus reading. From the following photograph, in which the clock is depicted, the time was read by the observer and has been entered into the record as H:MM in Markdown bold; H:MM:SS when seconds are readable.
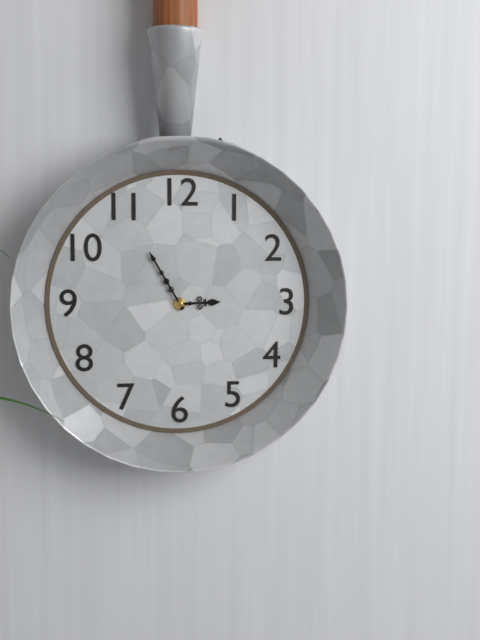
**2:55**
